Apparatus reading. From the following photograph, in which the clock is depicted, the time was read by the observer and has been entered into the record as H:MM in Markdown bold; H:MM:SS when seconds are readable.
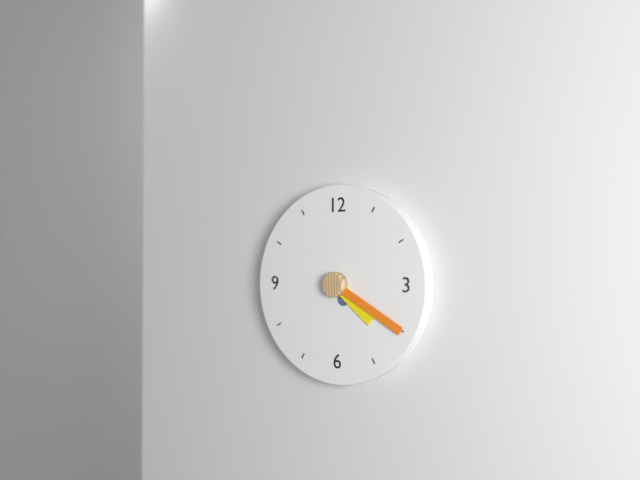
**4:20**
